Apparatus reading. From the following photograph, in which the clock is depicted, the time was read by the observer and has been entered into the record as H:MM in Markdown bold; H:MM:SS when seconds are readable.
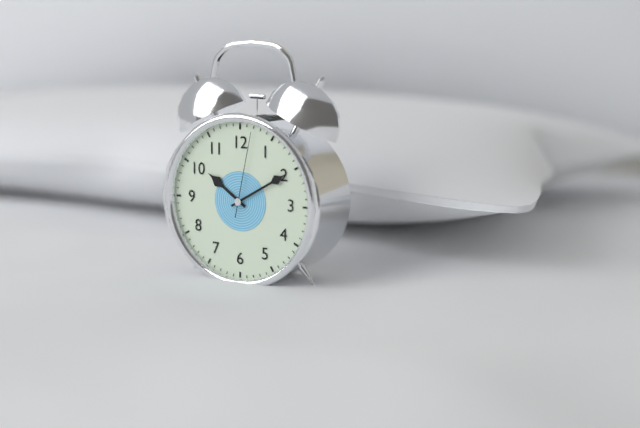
**10:10:02**
